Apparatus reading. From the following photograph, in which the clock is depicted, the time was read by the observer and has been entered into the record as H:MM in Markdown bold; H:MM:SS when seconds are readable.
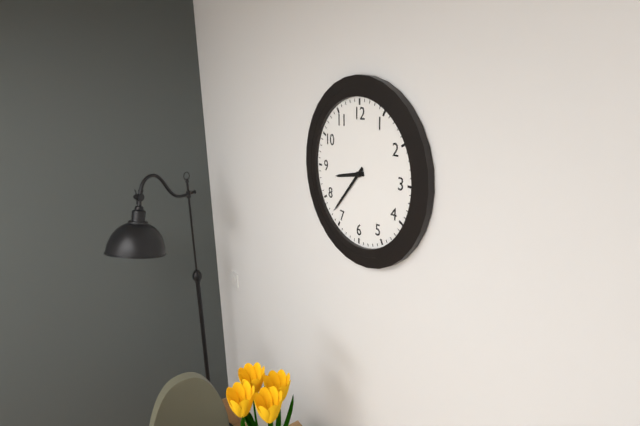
**8:37**
